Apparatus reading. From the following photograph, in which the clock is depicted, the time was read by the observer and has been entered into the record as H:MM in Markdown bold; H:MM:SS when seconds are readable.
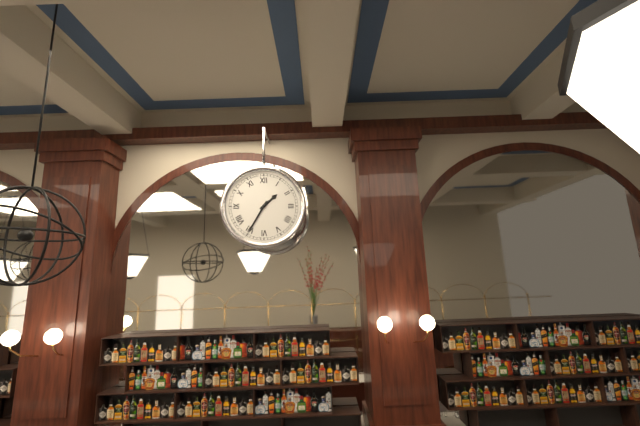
**1:35**
